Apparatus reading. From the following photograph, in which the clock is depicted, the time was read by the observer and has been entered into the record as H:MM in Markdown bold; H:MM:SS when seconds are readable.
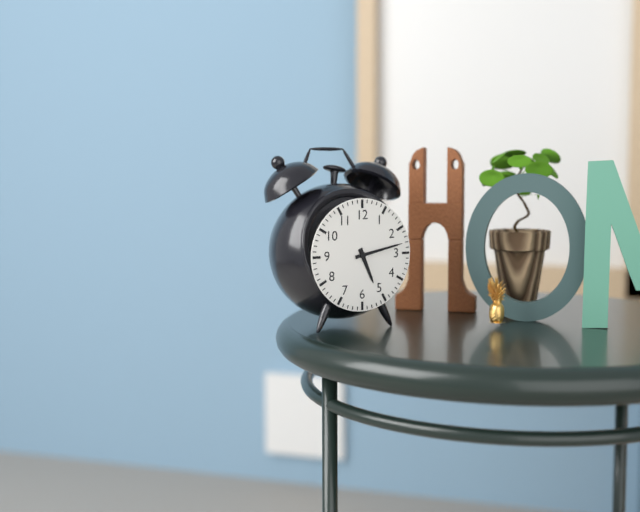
**5:13**
